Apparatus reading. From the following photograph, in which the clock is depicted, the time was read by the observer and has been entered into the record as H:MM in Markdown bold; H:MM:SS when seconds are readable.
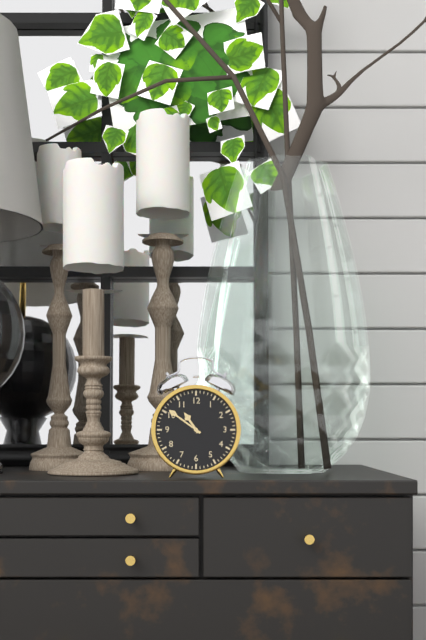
**10:51**
